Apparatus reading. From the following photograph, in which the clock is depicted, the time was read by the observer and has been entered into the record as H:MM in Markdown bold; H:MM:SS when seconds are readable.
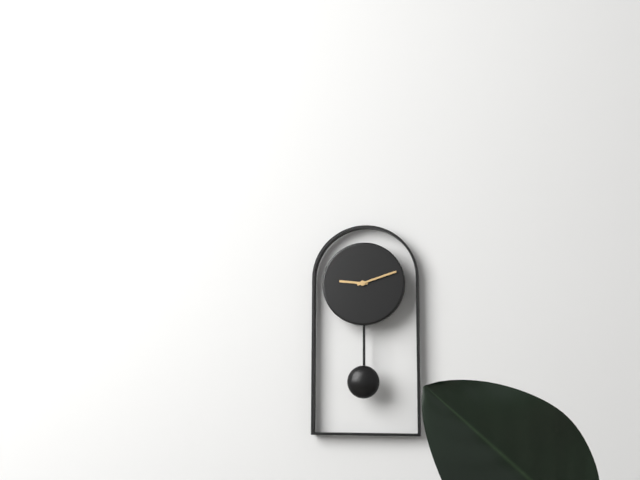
**9:12**
